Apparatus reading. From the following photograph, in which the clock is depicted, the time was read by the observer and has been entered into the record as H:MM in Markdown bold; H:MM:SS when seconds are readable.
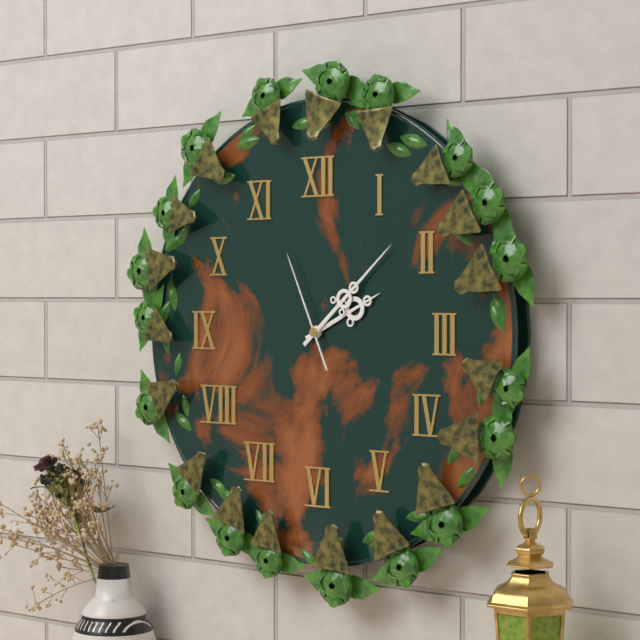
**2:08:56**
